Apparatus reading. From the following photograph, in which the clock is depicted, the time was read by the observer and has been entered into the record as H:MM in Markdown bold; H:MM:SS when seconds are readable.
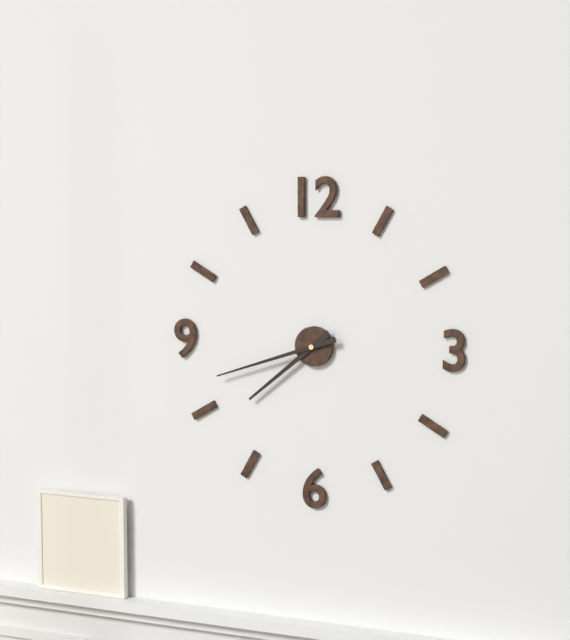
**7:42**
